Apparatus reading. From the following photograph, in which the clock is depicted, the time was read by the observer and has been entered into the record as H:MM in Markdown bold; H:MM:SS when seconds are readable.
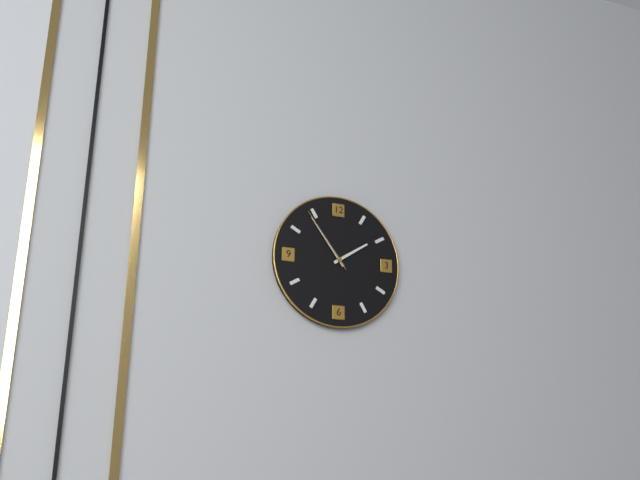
**1:54:54**
